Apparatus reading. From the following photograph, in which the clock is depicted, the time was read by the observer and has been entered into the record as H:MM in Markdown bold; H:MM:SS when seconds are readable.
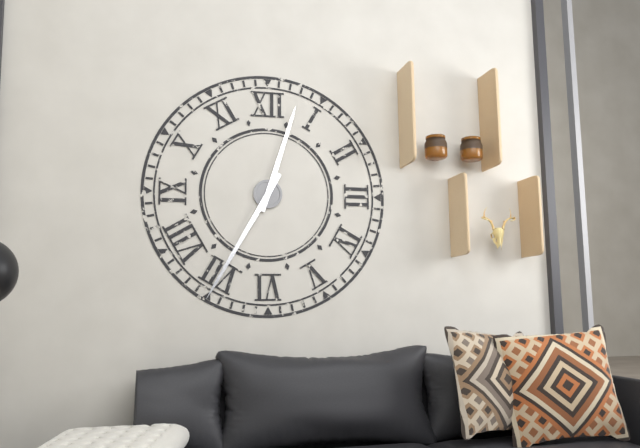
**12:35**
